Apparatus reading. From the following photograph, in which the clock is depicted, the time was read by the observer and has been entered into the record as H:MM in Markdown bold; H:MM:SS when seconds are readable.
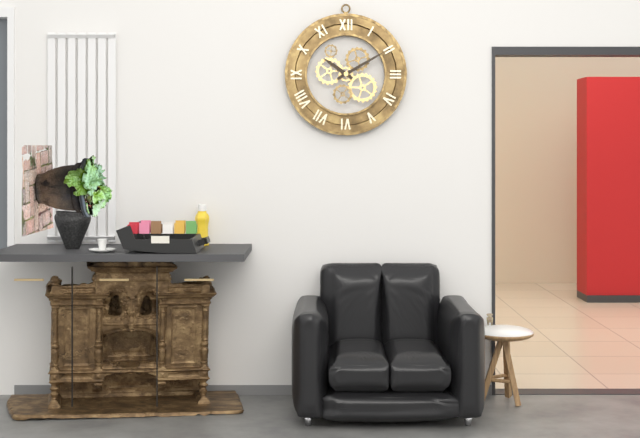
**10:10**
